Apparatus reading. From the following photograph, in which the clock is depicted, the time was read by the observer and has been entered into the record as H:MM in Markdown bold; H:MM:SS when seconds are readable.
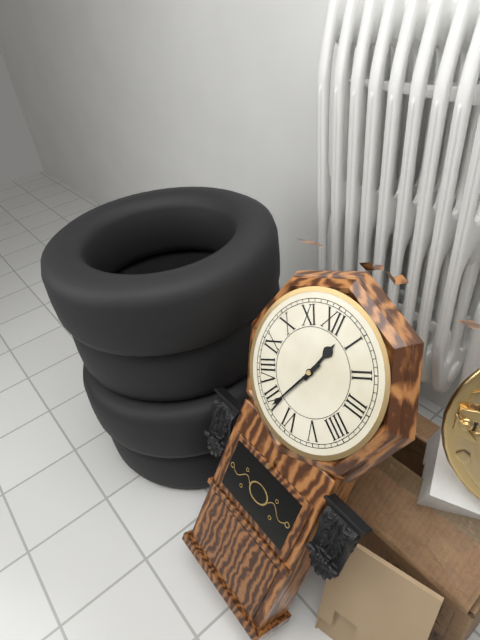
**12:34**
